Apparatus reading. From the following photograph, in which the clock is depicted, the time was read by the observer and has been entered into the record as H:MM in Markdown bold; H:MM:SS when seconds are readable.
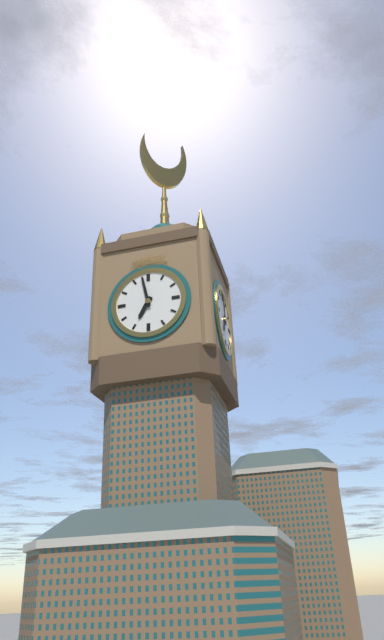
**6:58**
